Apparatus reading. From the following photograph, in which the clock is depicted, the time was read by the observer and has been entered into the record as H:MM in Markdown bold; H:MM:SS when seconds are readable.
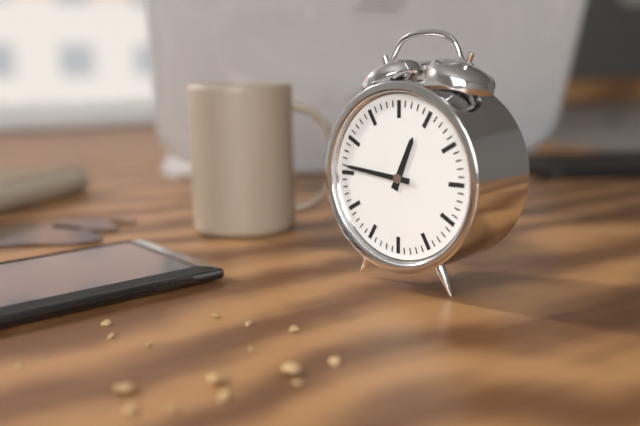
**12:46**
